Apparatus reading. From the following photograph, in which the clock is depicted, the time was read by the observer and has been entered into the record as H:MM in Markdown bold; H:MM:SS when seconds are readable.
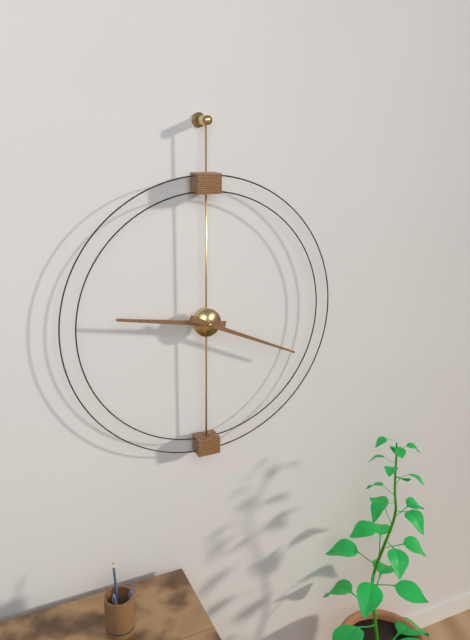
**9:19**
